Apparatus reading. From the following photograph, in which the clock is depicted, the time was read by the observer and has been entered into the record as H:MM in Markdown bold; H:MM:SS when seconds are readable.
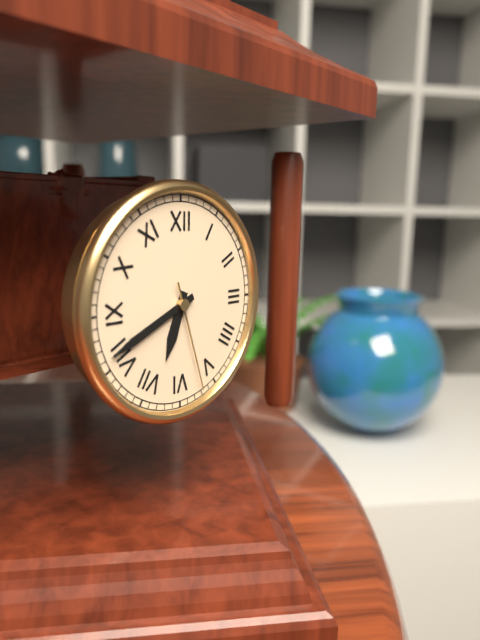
**6:41:27**
